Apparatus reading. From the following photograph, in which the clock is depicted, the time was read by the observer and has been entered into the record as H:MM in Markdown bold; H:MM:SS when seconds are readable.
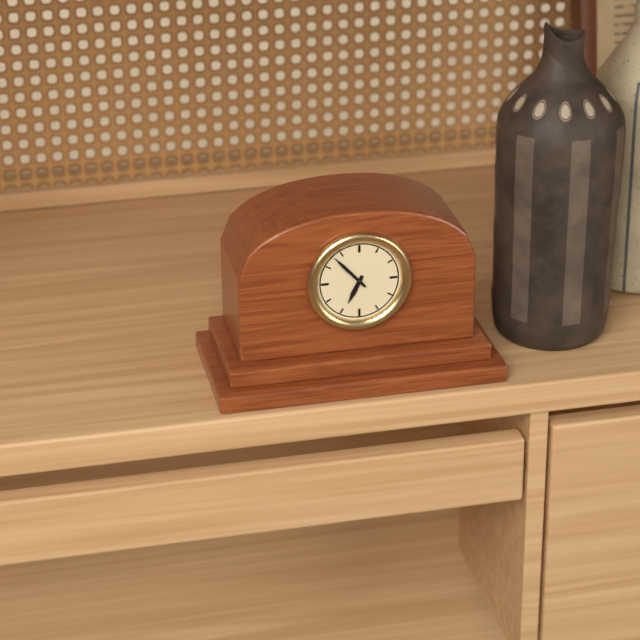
**6:53**
